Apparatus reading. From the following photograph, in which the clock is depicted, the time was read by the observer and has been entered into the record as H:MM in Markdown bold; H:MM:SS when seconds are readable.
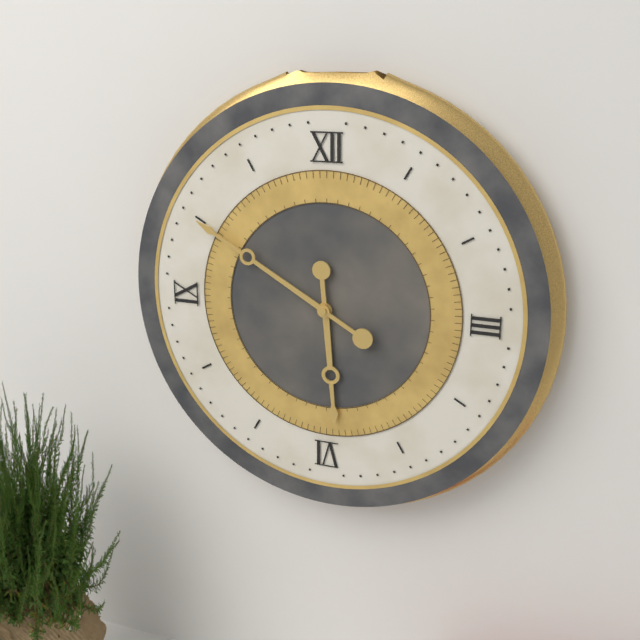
**5:50**
